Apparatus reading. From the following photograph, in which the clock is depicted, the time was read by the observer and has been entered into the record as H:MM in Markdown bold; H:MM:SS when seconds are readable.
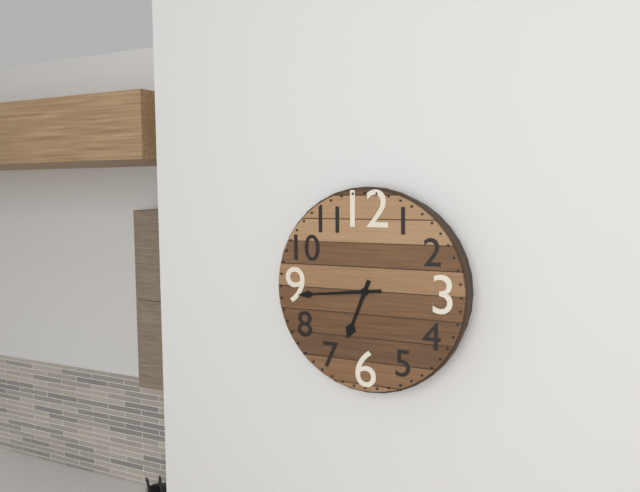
**6:44**
